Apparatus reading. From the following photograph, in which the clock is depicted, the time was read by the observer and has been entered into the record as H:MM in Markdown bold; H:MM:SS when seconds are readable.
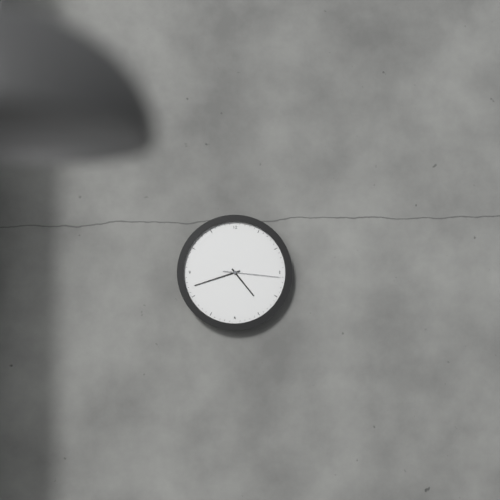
**4:42:16**
